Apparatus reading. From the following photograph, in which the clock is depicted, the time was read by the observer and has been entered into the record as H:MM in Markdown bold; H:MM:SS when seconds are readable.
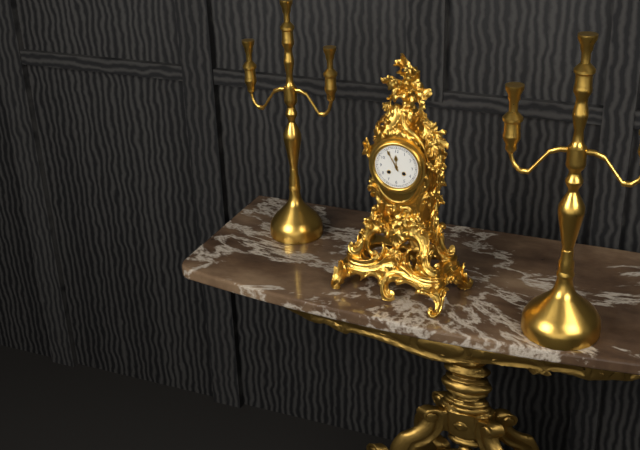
**11:55**
